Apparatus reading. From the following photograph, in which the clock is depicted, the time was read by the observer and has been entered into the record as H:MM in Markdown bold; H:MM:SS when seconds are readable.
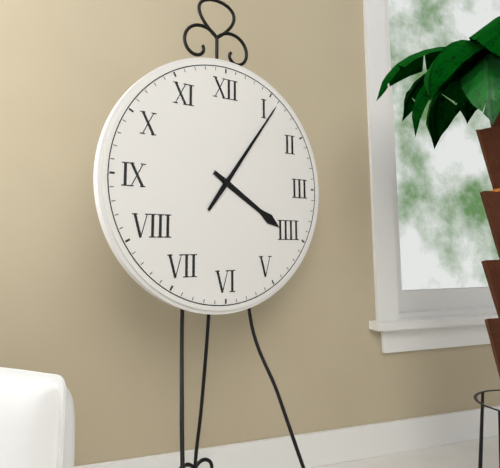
**4:06**
